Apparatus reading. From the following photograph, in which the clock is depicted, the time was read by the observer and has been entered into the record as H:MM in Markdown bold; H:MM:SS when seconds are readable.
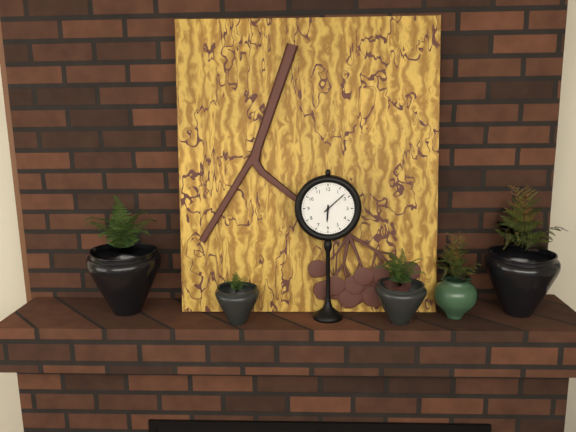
**6:08**
